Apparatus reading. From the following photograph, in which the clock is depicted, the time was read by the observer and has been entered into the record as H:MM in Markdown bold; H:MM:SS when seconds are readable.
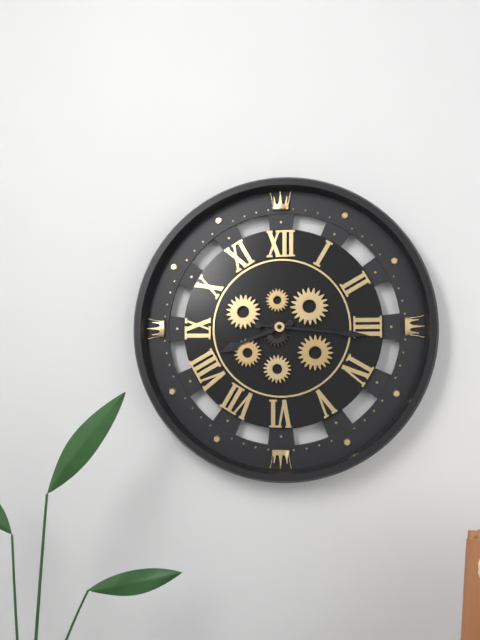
**8:16**
